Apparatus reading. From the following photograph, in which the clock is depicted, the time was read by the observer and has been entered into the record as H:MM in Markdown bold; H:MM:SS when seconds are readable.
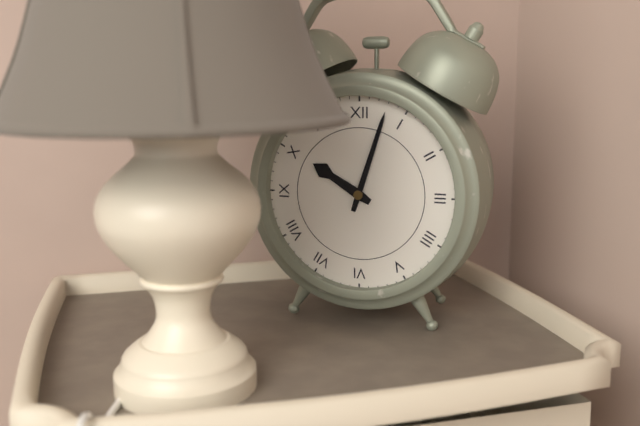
**10:03**
